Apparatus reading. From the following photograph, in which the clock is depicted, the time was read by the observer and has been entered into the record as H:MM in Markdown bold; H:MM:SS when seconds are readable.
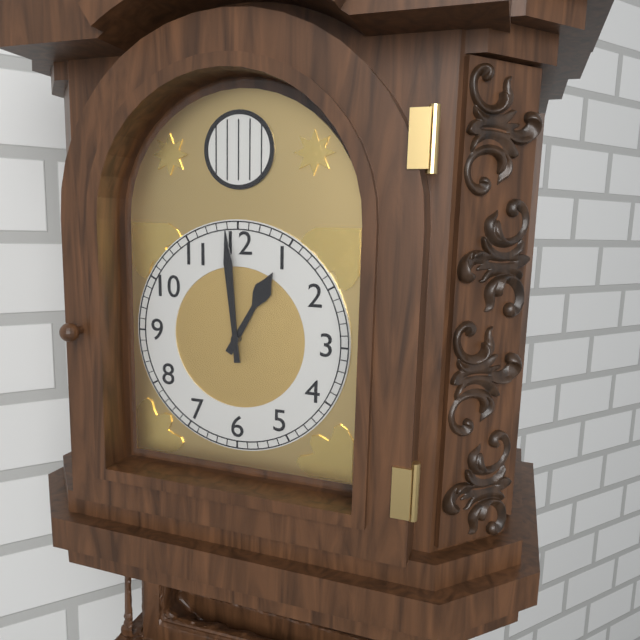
**12:59**
